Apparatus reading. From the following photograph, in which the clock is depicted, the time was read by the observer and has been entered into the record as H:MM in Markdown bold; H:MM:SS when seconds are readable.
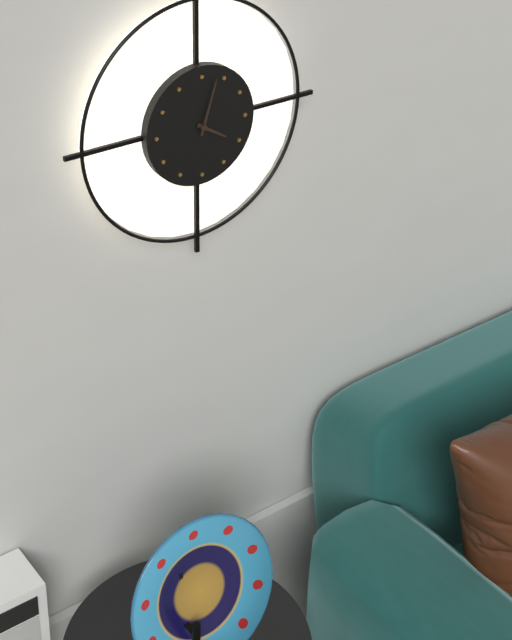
**4:03**
